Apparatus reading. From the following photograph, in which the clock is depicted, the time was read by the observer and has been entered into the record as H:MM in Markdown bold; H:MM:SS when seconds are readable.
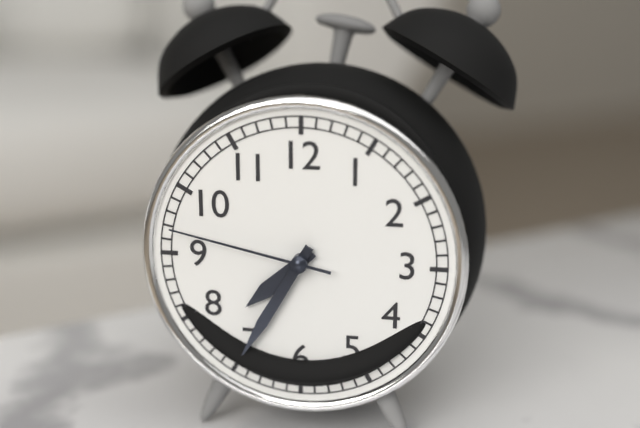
**7:35:47**
